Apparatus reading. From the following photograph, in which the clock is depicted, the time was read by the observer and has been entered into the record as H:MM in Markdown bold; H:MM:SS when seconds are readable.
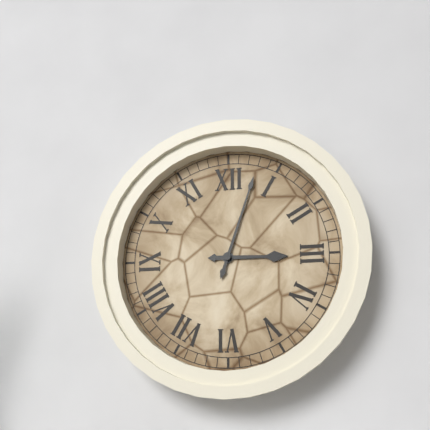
**3:03**
